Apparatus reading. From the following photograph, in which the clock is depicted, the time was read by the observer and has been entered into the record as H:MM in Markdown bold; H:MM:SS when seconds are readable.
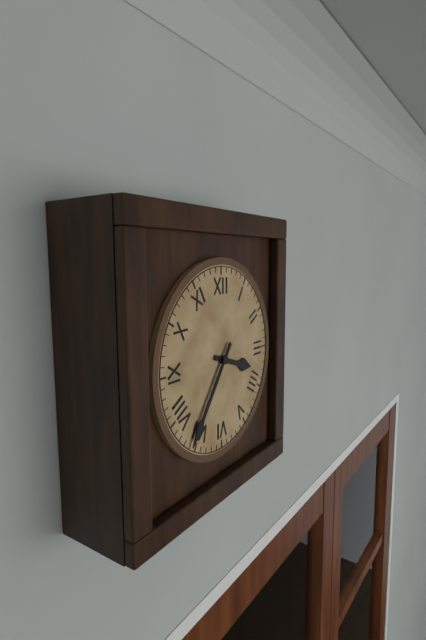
**3:36**
